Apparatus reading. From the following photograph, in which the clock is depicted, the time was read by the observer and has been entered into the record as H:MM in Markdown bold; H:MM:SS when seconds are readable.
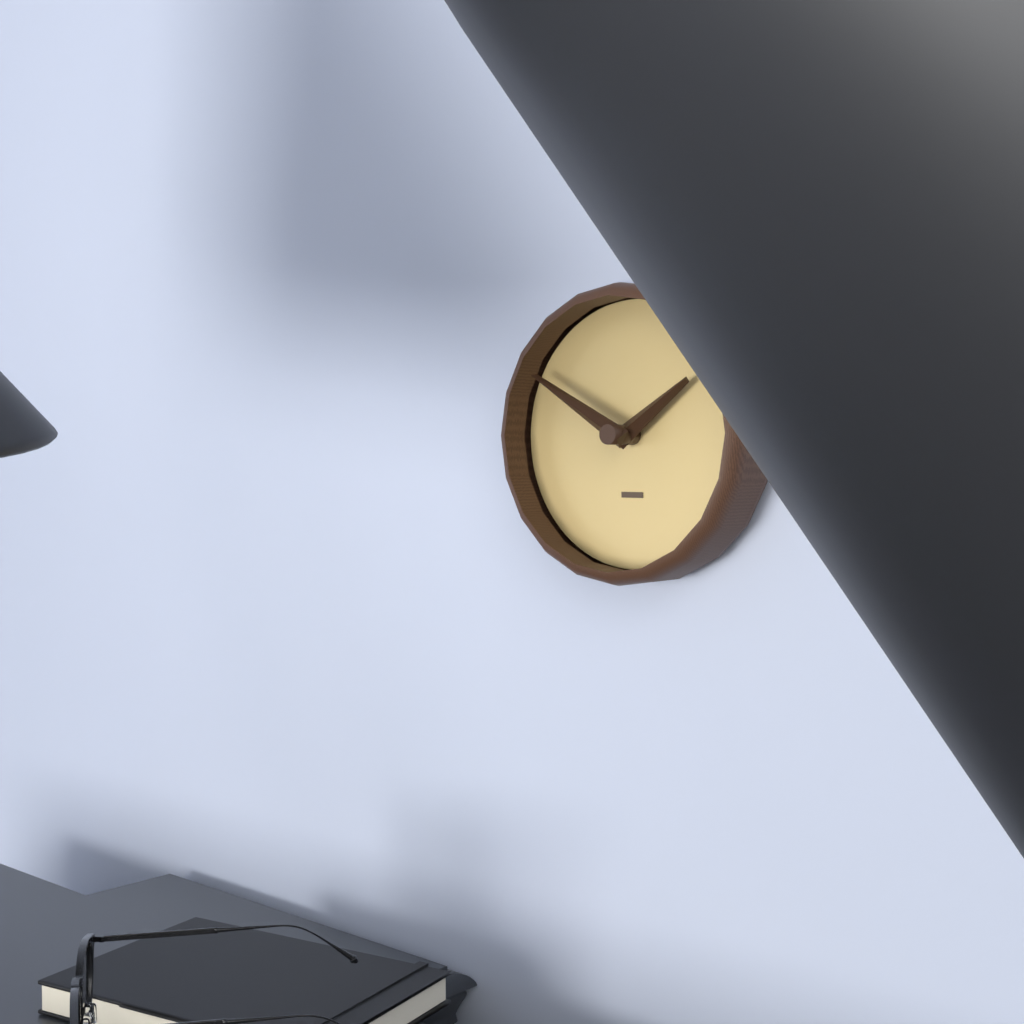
**1:50**
